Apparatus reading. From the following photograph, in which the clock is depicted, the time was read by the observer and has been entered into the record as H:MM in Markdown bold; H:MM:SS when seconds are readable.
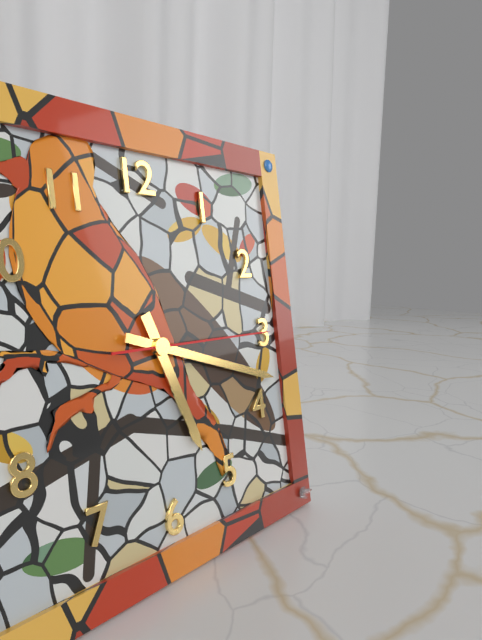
**5:18:15**
